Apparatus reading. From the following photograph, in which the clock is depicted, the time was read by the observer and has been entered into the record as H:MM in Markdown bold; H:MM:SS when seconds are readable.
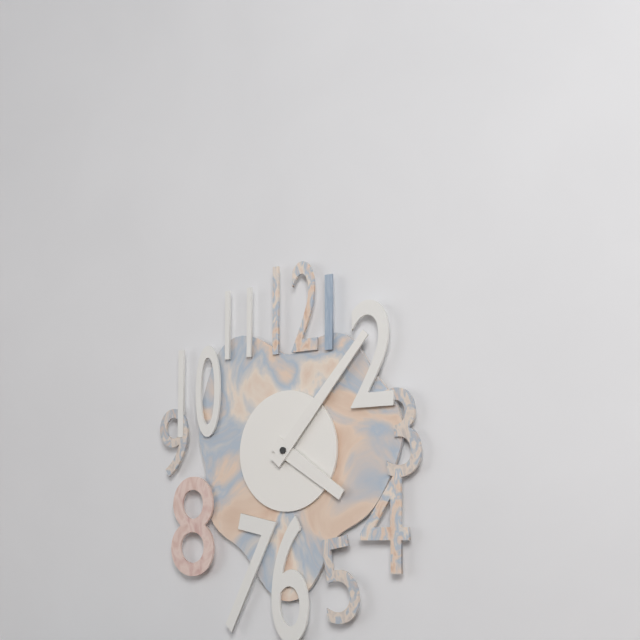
**4:07**
